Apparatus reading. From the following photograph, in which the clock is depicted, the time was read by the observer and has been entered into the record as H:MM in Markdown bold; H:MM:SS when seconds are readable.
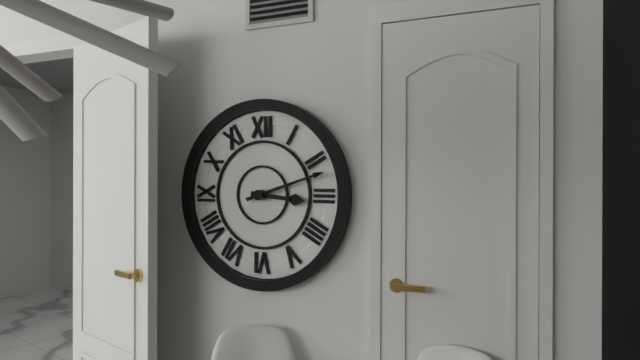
**3:12**
